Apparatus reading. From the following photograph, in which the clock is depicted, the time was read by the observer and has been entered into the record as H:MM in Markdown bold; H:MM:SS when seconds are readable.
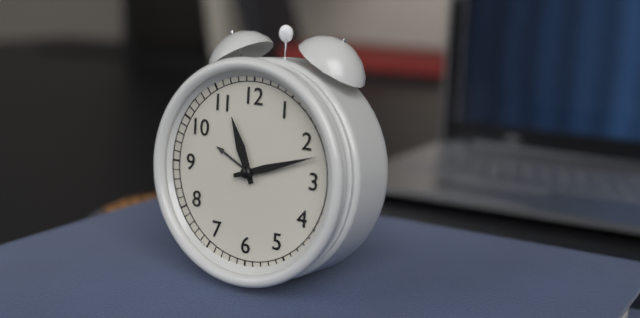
**11:12**
